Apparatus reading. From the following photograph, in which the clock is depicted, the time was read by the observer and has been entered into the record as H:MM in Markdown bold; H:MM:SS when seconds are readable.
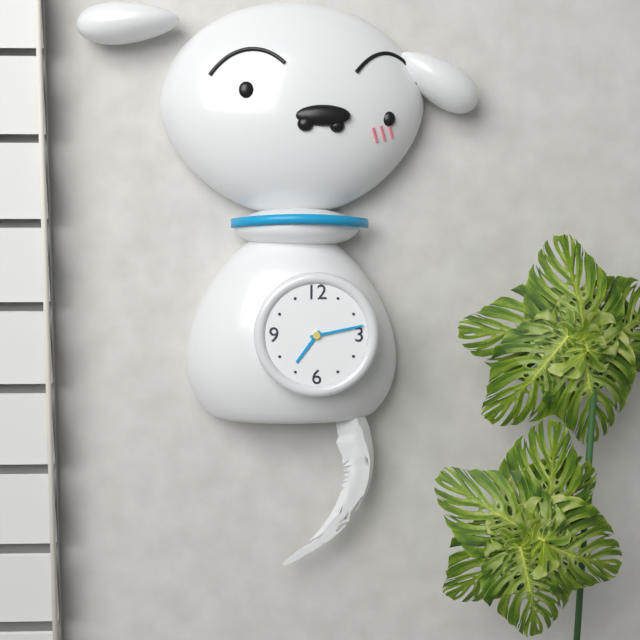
**7:13**
